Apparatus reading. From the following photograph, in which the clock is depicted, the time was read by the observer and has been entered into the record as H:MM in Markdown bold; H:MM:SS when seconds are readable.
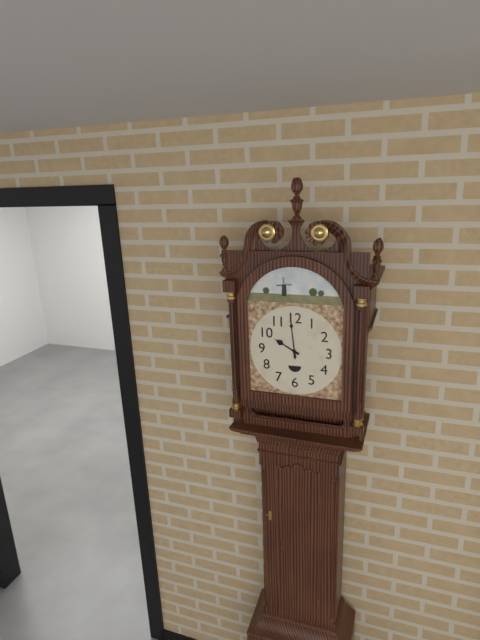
**9:59**
